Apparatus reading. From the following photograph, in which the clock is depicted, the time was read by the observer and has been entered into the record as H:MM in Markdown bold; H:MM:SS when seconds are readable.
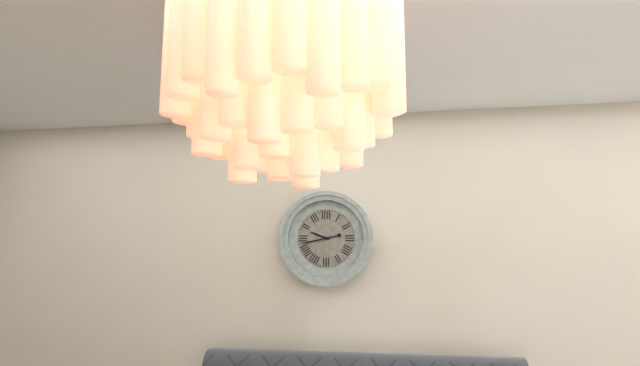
**9:43**
